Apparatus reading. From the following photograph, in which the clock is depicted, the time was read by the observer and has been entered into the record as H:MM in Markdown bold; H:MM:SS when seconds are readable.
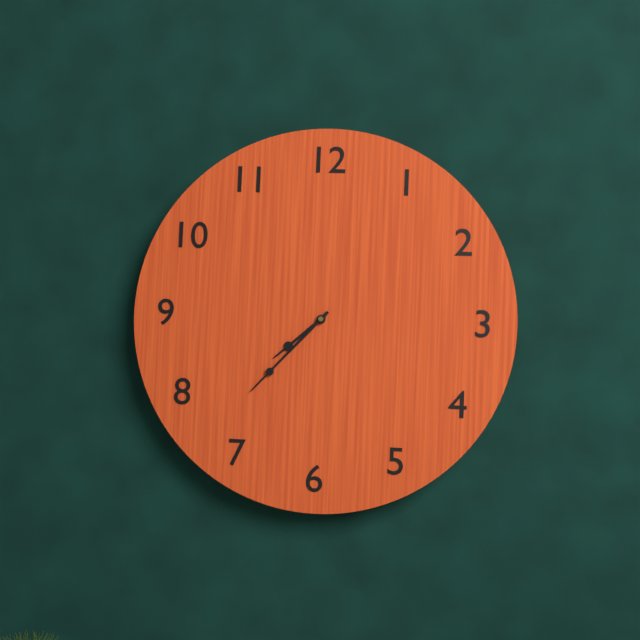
**7:37**
